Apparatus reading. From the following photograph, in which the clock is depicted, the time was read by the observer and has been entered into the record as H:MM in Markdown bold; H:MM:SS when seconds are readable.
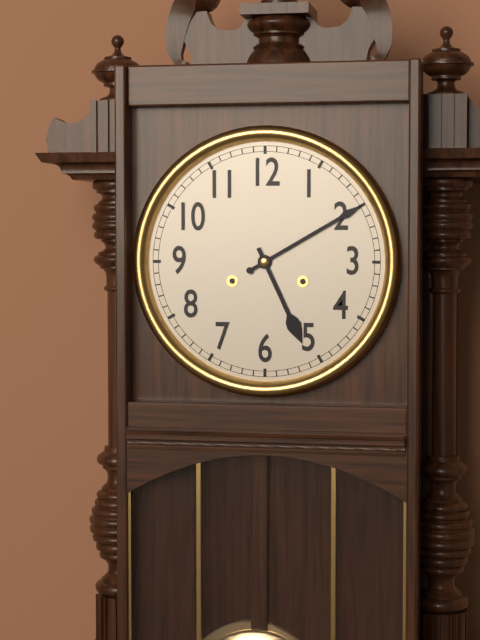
**5:10**
